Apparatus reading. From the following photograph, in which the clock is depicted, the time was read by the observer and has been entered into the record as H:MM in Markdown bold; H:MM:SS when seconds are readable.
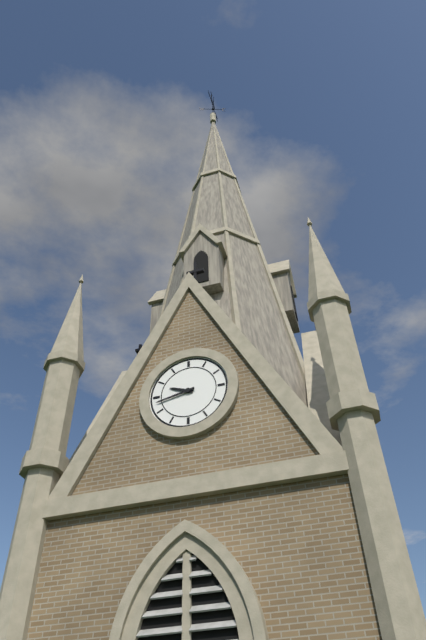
**9:43**
